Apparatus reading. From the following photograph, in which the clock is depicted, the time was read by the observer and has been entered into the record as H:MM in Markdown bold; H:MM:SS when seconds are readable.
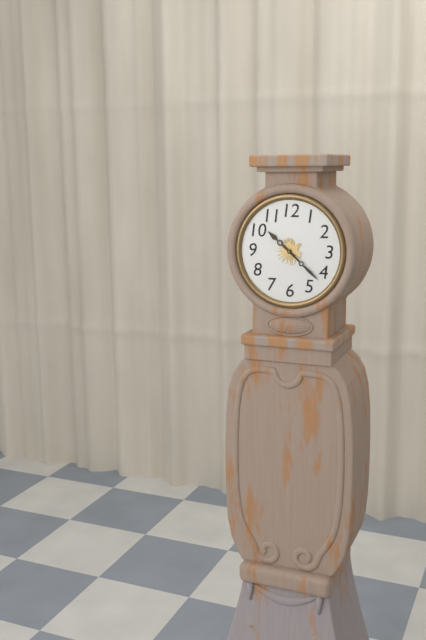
**10:22**
